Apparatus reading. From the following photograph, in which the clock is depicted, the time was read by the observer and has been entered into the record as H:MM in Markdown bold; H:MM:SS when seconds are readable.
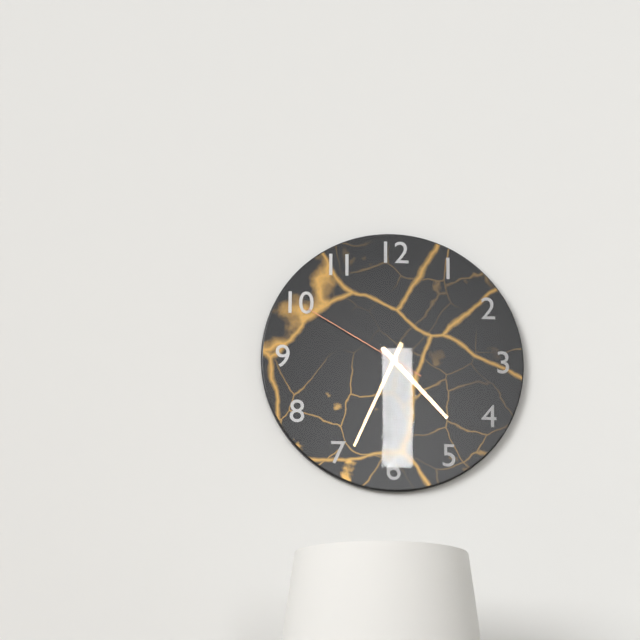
**4:34:50**
